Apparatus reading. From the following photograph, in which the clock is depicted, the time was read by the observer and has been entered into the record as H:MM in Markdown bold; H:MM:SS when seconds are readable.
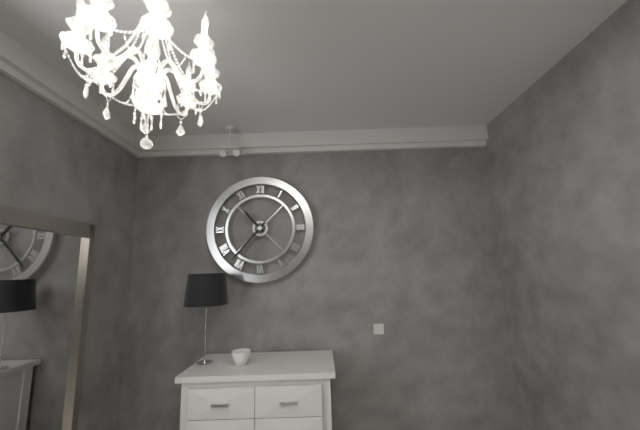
**10:37**
